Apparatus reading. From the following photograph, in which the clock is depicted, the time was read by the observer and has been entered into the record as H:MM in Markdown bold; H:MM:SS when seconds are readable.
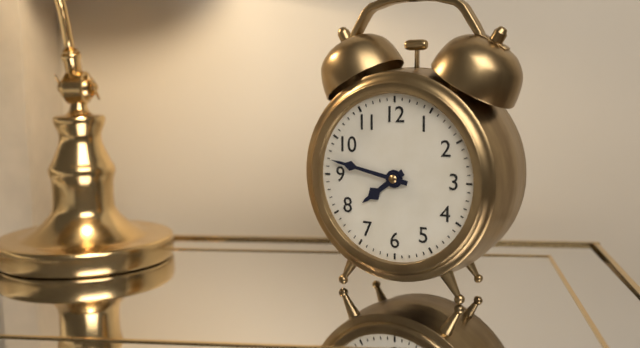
**7:47**
